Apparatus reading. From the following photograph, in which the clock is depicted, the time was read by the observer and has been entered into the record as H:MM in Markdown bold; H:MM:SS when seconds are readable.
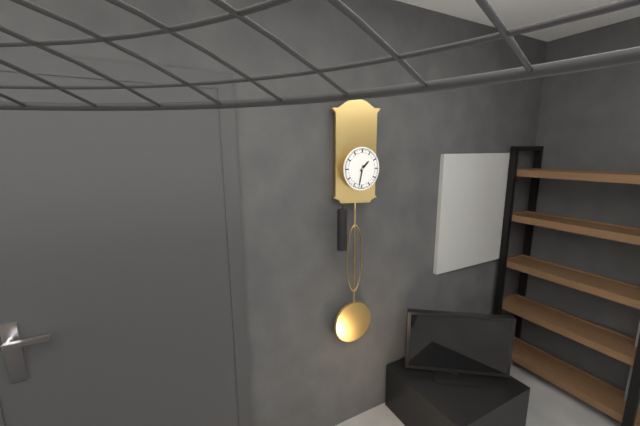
**1:32**
